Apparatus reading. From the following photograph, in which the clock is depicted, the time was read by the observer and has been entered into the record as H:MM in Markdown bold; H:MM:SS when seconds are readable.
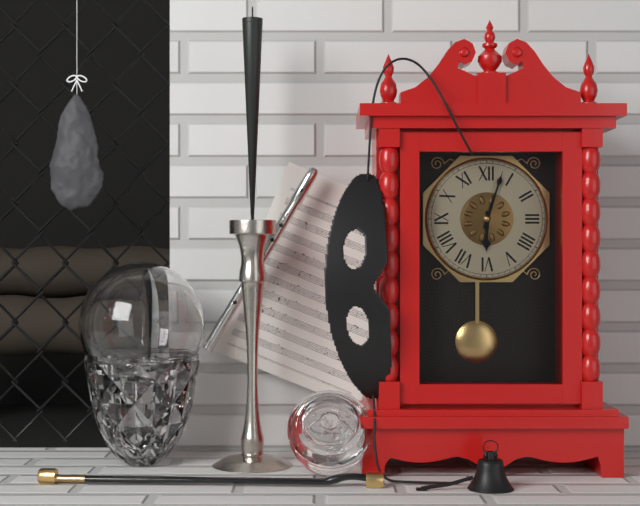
**6:03**
